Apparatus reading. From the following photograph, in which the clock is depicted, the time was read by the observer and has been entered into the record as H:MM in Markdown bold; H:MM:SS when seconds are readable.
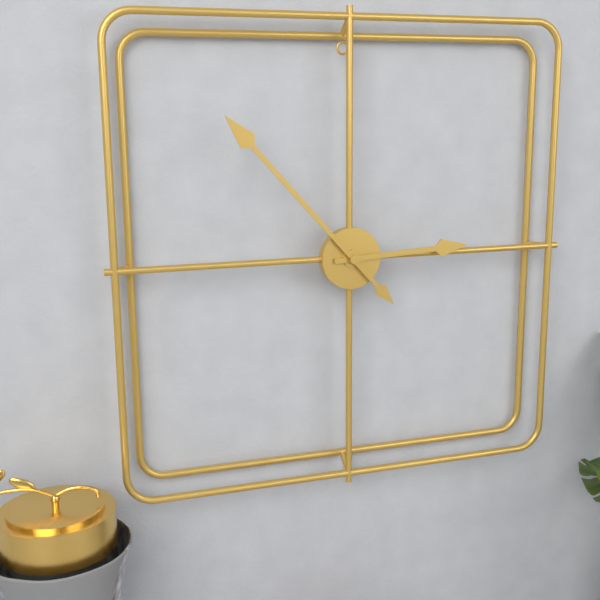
**2:53**
